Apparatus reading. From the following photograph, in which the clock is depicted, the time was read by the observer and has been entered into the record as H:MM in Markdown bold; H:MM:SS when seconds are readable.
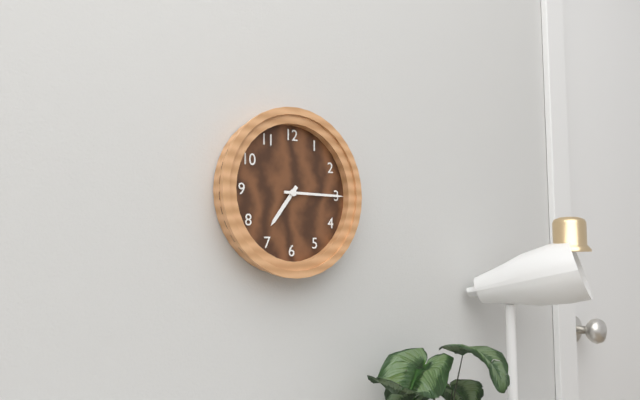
**7:15**
